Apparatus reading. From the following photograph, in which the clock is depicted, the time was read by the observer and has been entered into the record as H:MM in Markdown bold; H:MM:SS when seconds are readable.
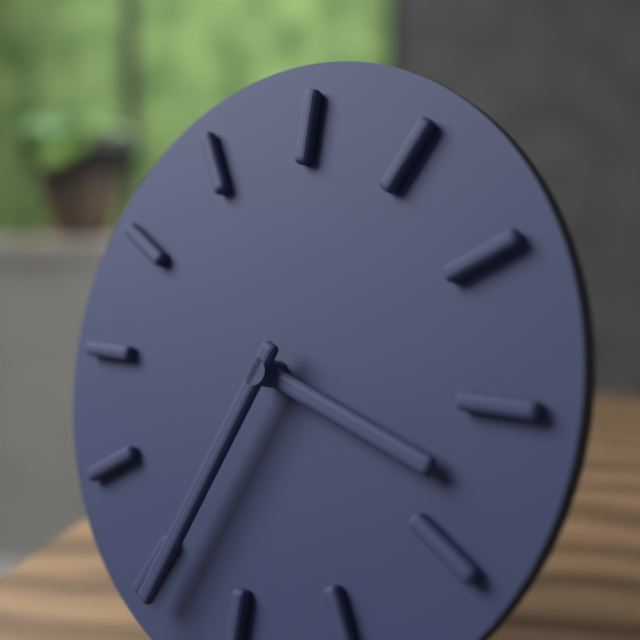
**3:34**
